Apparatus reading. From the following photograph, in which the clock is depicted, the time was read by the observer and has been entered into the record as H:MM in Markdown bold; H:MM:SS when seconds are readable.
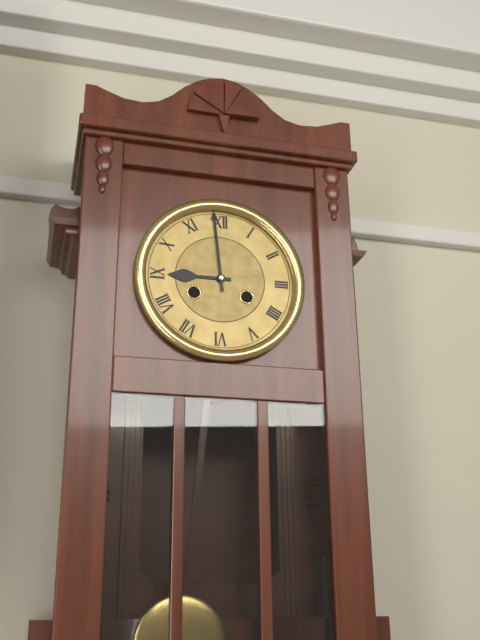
**8:59**
